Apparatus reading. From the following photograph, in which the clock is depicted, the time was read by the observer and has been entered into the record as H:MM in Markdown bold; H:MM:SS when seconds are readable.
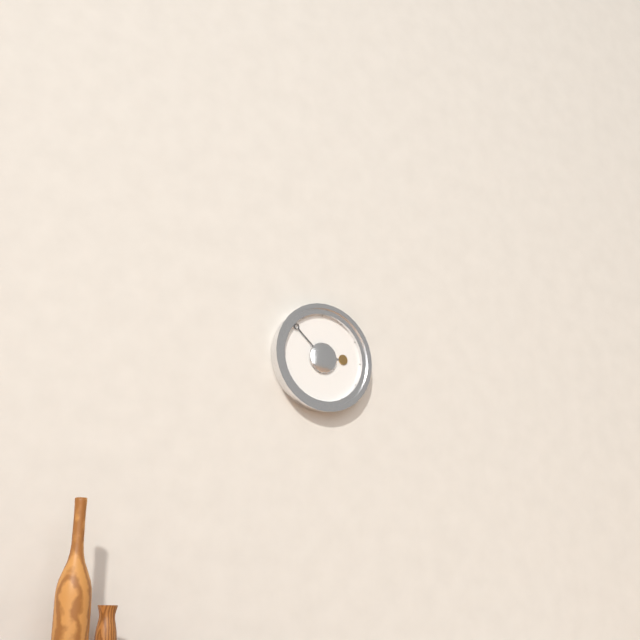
**2:52**
